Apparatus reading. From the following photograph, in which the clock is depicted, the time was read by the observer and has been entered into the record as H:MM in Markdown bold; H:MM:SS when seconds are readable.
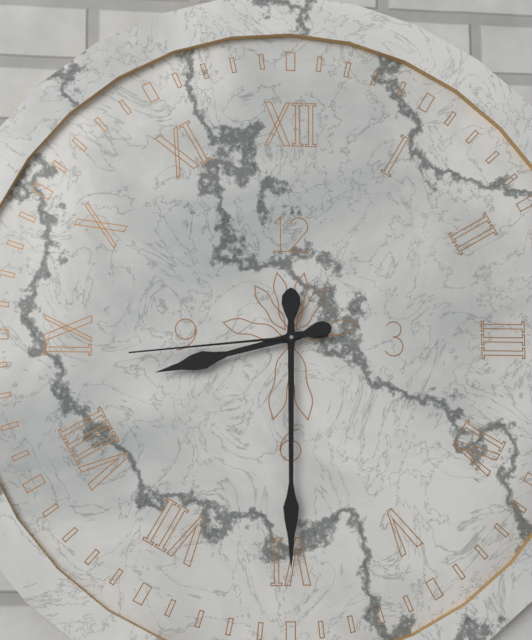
**8:30:44**
